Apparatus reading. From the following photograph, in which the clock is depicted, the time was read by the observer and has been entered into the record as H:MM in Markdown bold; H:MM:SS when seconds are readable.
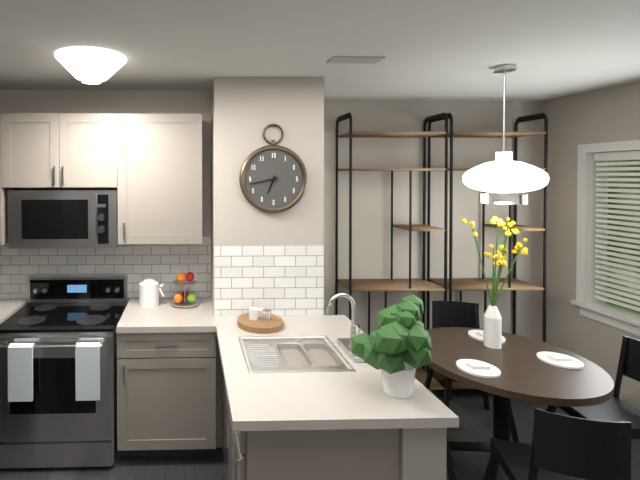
**6:43**
